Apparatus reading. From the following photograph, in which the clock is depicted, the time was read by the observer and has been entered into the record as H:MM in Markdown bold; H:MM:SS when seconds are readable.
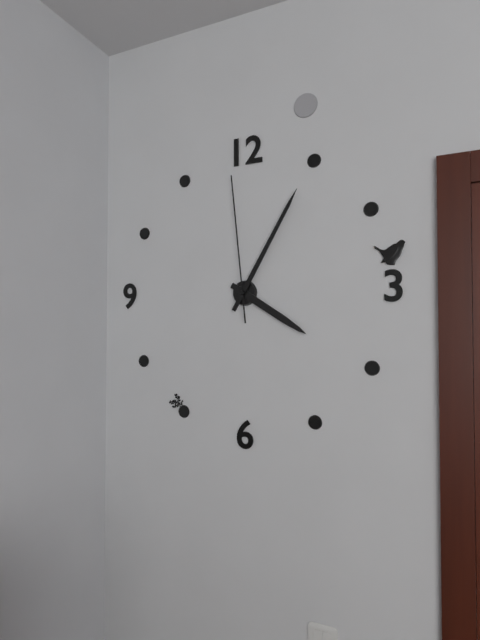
**4:05:59**
